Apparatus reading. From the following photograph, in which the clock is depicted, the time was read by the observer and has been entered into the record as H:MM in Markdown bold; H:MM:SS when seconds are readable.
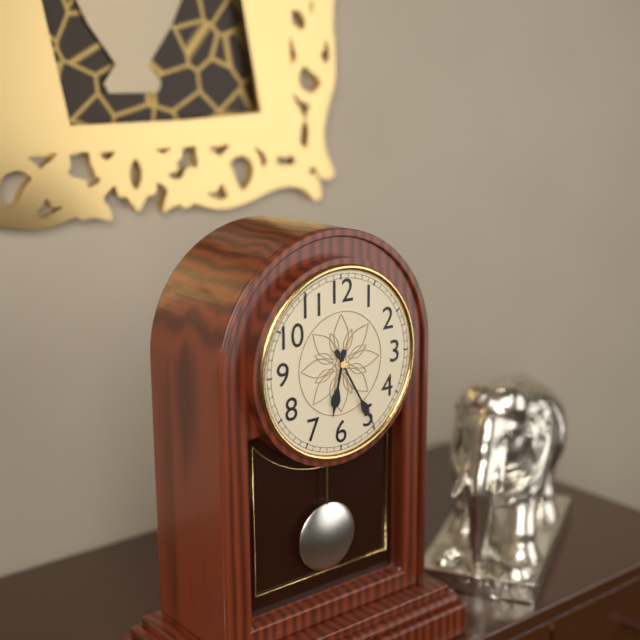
**6:25**
